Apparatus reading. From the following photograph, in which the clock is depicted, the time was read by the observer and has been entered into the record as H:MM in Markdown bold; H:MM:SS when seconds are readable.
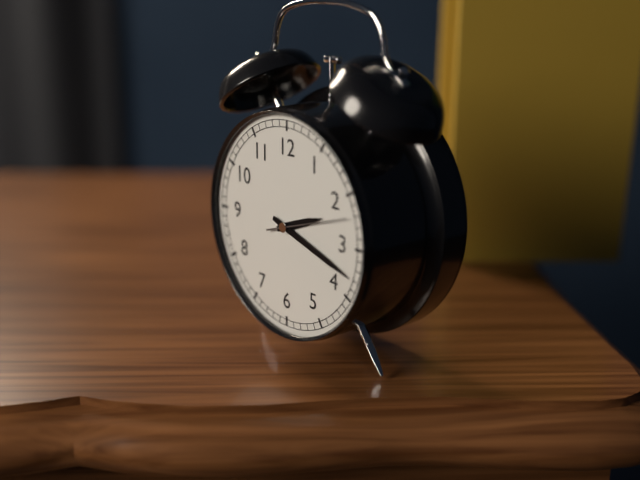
**2:18:12**
